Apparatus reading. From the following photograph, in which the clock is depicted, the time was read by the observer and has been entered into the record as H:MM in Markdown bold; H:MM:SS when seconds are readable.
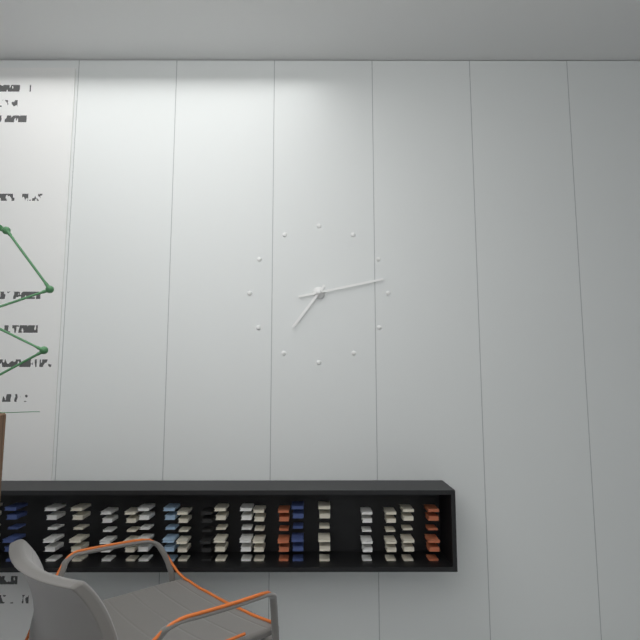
**7:13**
